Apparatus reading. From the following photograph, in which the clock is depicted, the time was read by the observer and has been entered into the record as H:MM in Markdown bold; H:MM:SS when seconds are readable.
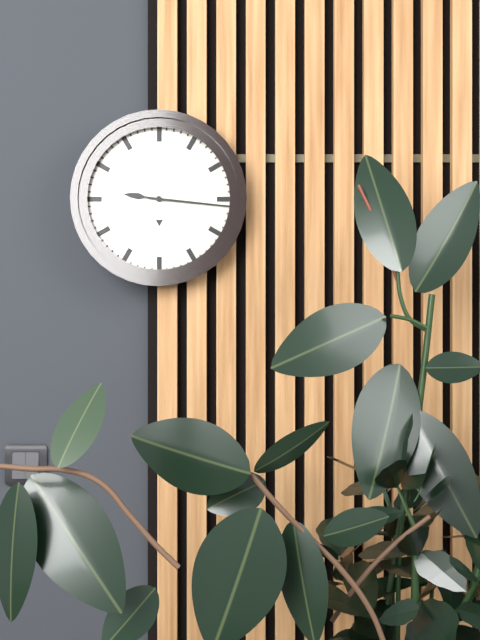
**9:16**
